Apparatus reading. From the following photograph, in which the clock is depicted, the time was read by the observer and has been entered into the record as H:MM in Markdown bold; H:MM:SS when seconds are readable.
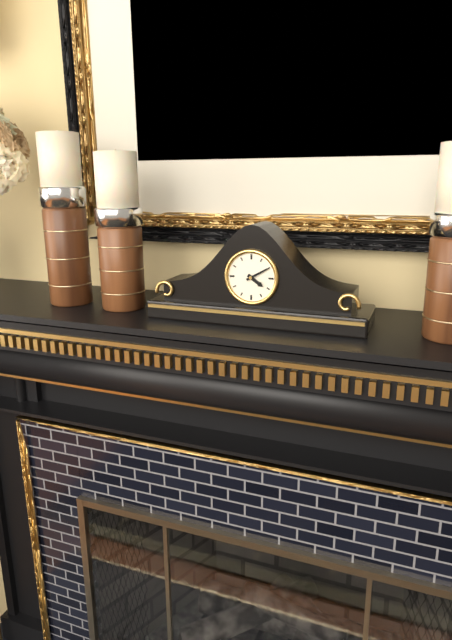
**4:10**
